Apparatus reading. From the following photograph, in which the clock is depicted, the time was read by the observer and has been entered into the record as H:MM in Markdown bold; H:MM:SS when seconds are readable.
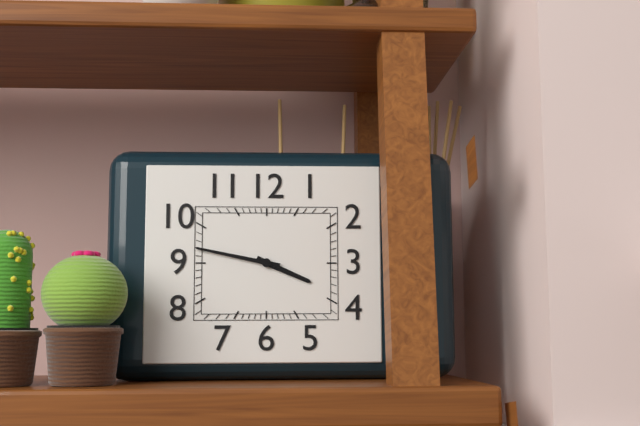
**3:47**
